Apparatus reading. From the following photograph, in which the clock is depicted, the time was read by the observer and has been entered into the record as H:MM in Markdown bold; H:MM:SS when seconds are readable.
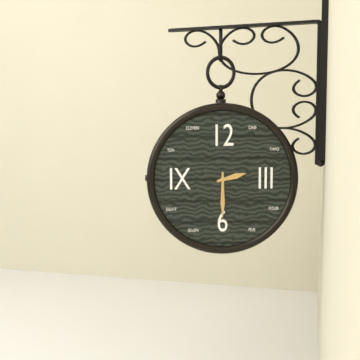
**2:30**
